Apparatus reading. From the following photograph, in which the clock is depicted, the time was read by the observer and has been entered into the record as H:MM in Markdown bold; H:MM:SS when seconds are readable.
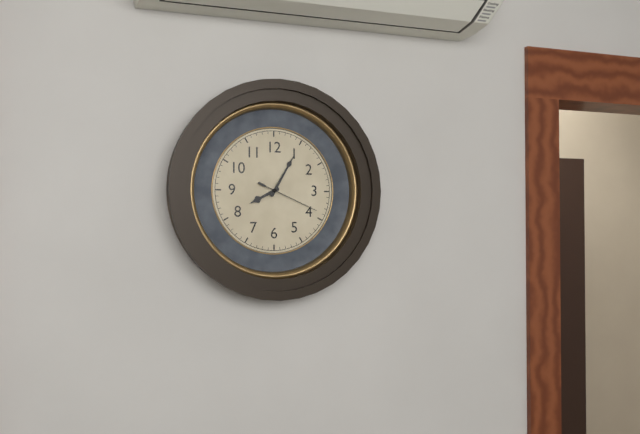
**8:05:19**
